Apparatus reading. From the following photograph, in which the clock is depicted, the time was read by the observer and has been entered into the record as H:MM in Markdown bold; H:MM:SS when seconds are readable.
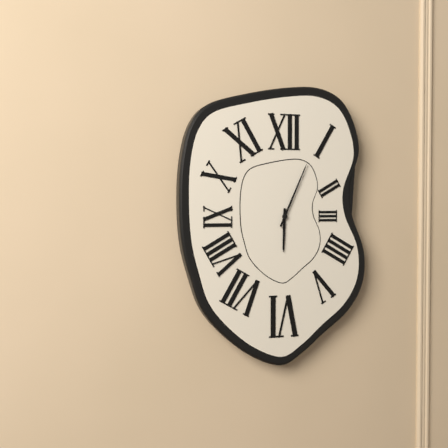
**6:04**
